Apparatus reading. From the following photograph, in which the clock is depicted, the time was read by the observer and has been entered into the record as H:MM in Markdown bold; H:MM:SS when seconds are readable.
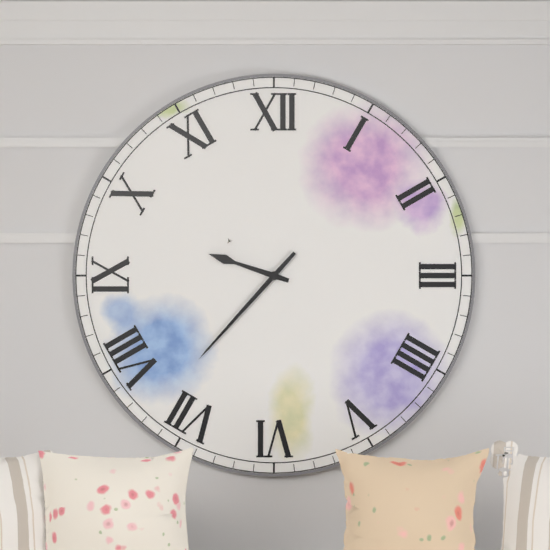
**9:37**
